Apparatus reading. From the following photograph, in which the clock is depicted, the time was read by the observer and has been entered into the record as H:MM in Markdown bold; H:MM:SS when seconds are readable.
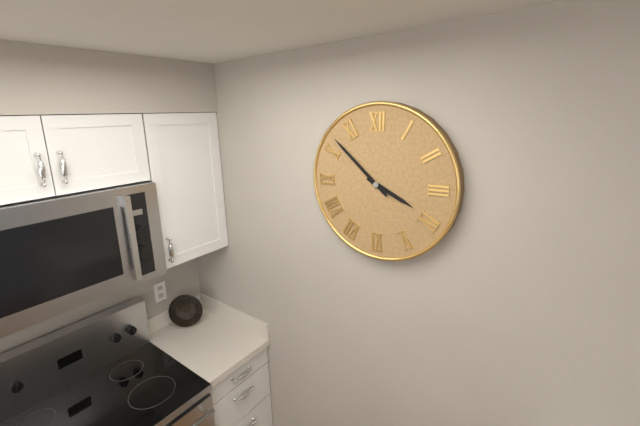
**3:52**
